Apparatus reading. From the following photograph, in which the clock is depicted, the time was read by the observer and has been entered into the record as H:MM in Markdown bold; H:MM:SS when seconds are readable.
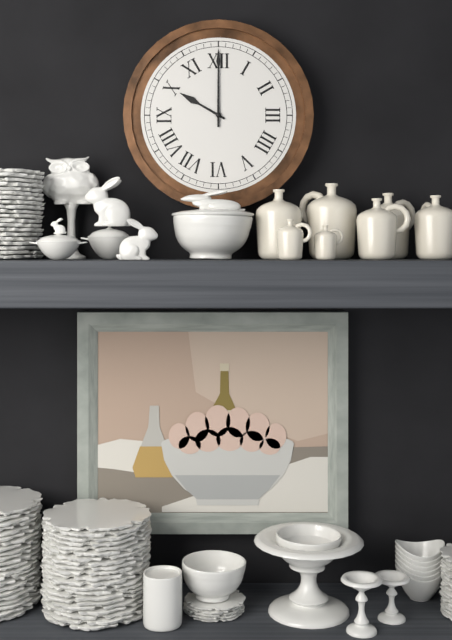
**10:00**
